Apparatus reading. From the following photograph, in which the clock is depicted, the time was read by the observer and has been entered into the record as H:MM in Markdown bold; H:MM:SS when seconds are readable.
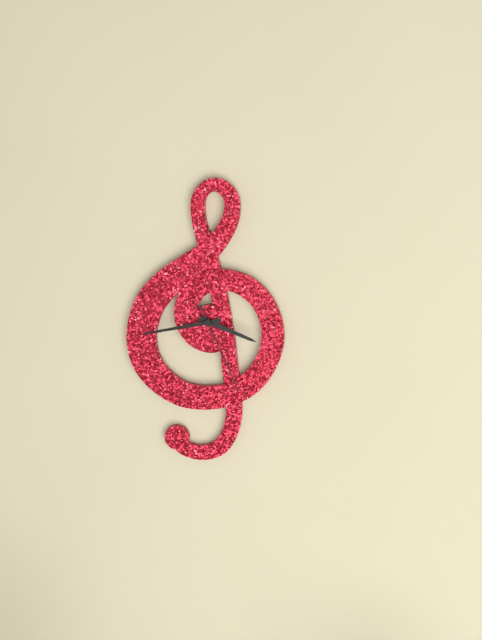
**3:43:26**
